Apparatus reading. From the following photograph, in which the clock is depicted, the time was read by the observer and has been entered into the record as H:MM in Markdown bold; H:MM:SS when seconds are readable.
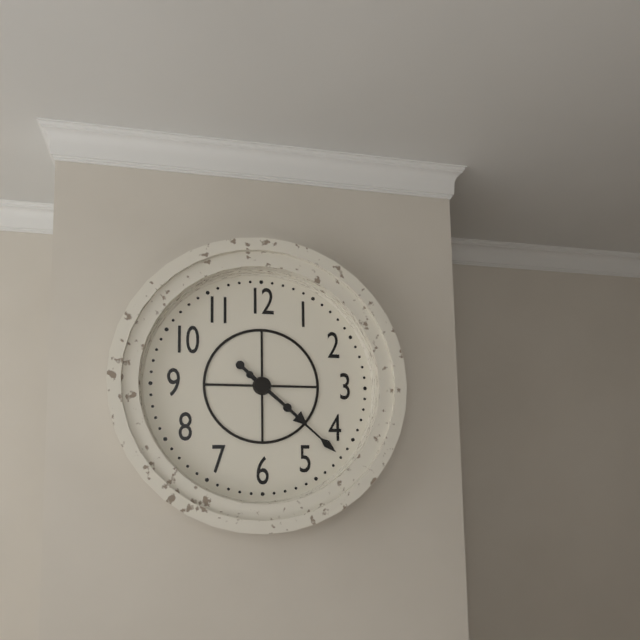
**4:22**
